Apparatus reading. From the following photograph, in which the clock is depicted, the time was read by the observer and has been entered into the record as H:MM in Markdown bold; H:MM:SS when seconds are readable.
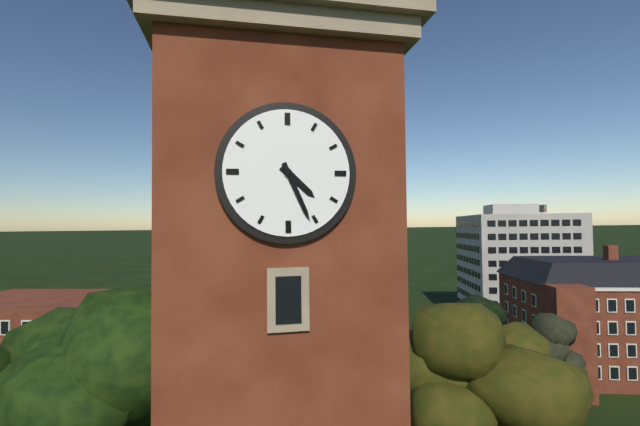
**4:26**
